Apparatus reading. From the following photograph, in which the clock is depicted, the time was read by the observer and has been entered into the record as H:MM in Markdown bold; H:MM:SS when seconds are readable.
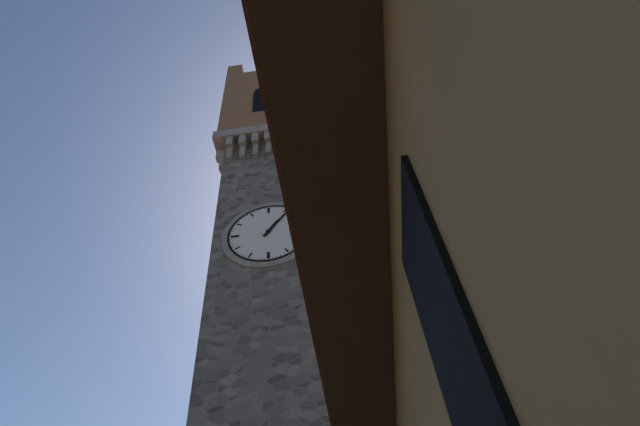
**1:06**
